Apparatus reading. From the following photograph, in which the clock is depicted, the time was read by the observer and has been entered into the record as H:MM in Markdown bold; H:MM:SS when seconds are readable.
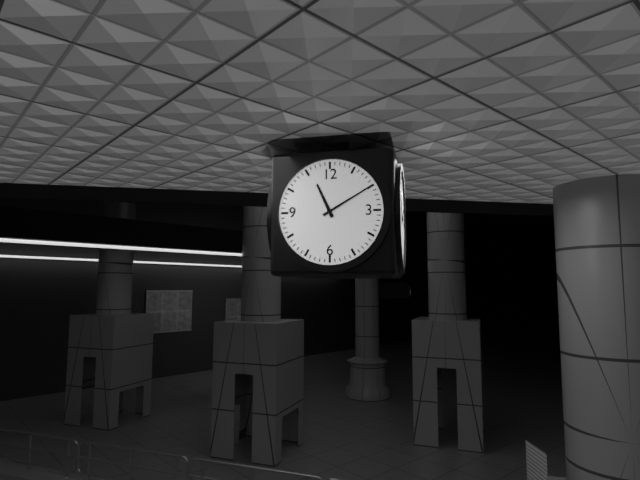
**11:10**
